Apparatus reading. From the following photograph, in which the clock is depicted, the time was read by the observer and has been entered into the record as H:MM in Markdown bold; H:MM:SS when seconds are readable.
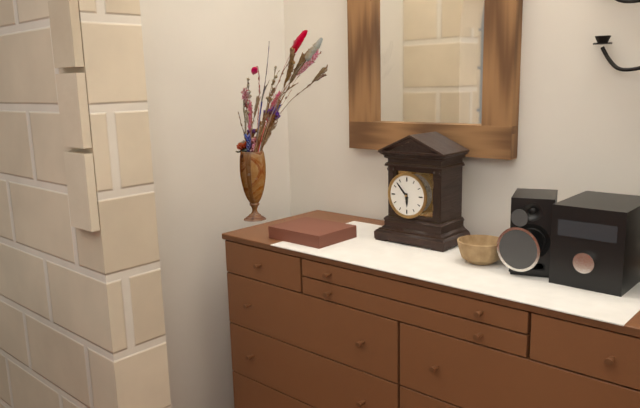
**5:53**
